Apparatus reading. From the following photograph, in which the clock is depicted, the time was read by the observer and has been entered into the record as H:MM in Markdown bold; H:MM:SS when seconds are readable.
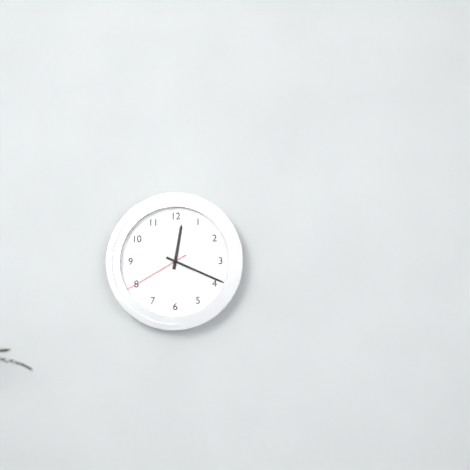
**12:19:40**
